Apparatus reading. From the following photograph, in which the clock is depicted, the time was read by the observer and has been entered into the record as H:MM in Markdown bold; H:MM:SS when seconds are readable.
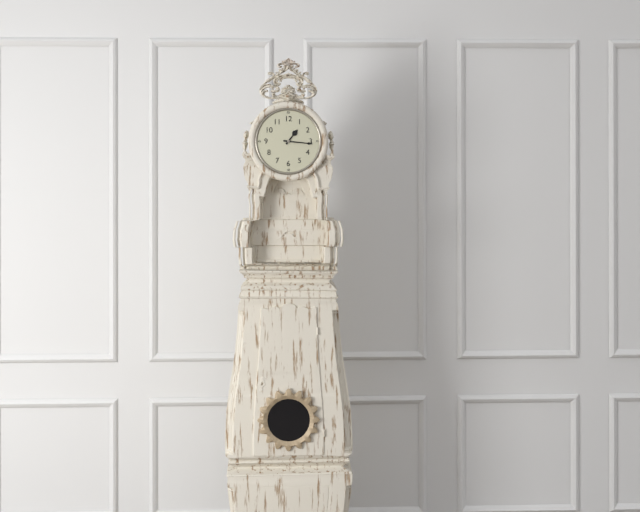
**1:16**
